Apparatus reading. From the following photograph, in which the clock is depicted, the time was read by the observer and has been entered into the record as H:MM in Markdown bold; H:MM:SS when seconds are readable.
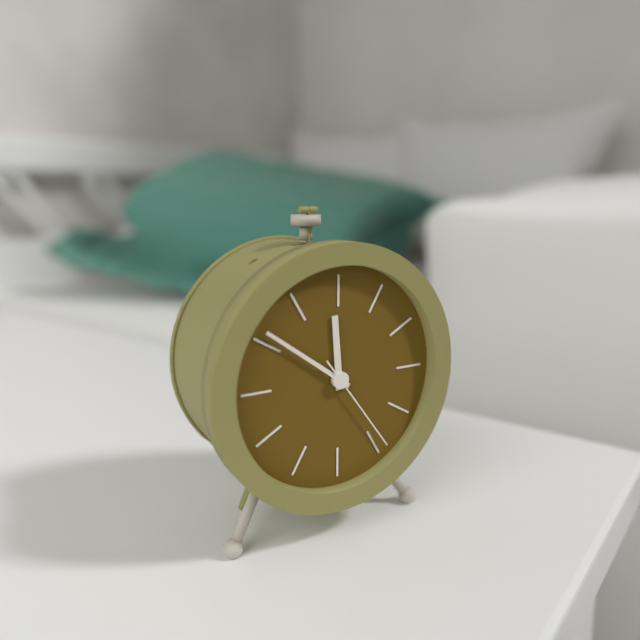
**11:51:24**
